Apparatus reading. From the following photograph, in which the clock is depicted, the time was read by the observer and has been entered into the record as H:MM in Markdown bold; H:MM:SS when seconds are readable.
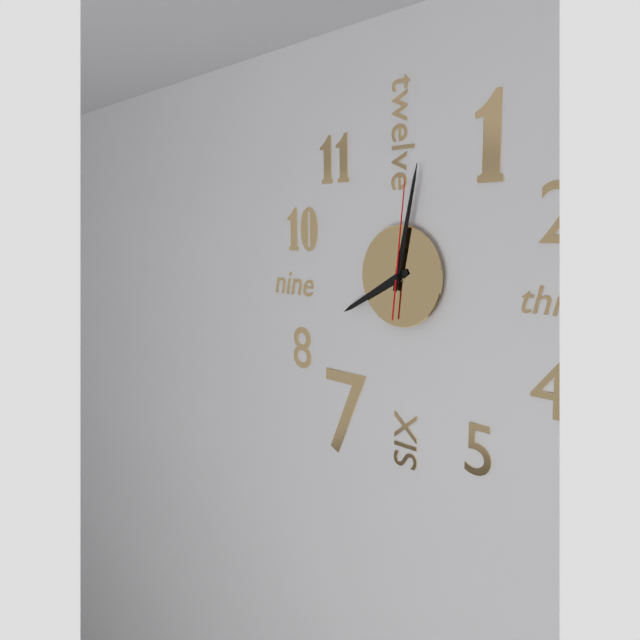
**8:02:01**
